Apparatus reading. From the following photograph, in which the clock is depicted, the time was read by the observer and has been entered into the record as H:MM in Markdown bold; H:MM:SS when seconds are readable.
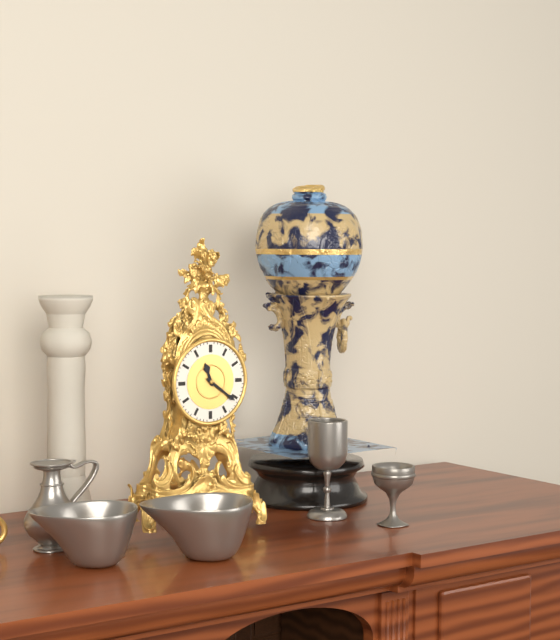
**11:21**
